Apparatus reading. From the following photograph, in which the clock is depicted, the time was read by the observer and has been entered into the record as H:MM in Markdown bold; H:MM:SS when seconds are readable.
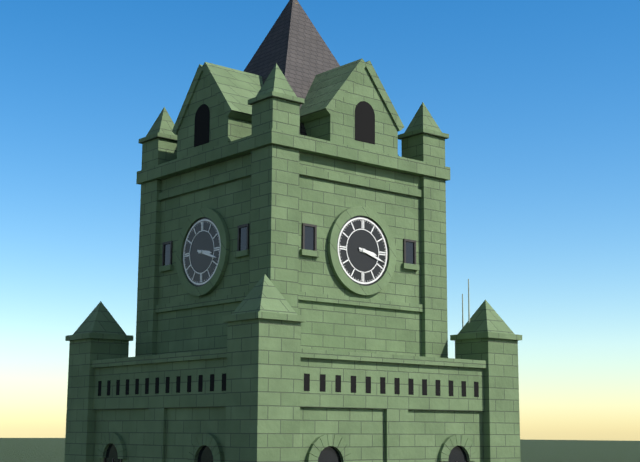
**3:18**
